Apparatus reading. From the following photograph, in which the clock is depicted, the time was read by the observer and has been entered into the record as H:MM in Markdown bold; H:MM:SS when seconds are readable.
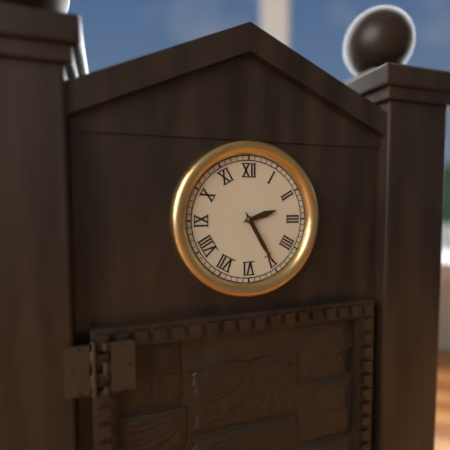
**2:25**
